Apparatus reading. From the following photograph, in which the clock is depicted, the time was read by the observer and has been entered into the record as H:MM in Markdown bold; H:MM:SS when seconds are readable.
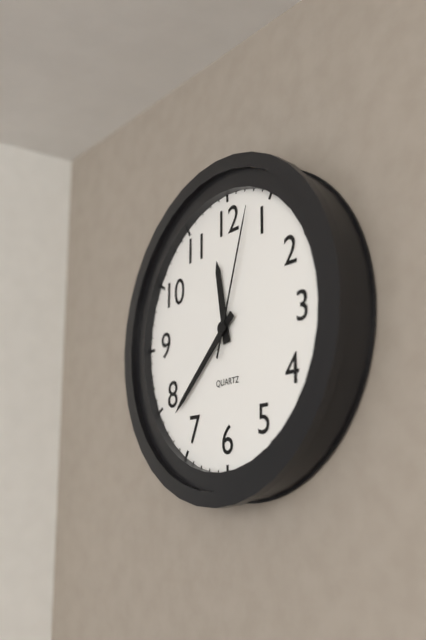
**11:38:03**
